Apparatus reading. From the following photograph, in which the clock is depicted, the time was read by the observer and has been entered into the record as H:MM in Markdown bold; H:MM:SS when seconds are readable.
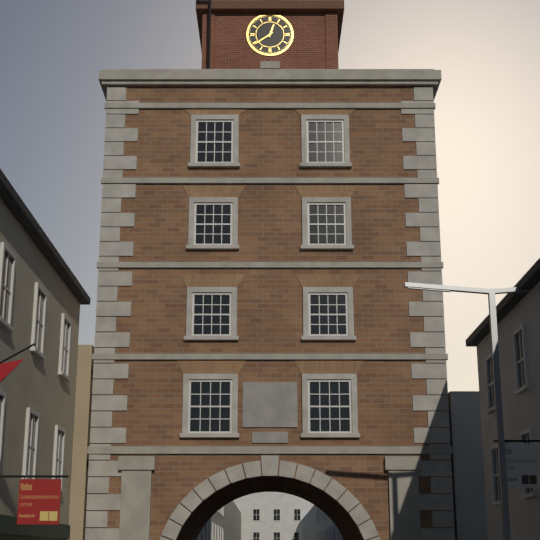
**12:39**
